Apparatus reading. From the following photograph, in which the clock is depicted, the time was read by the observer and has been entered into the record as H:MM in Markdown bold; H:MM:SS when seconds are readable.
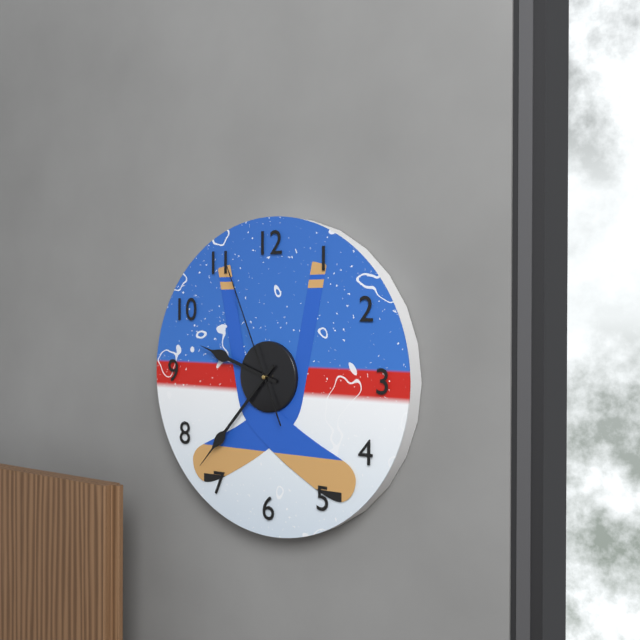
**9:37:56**
